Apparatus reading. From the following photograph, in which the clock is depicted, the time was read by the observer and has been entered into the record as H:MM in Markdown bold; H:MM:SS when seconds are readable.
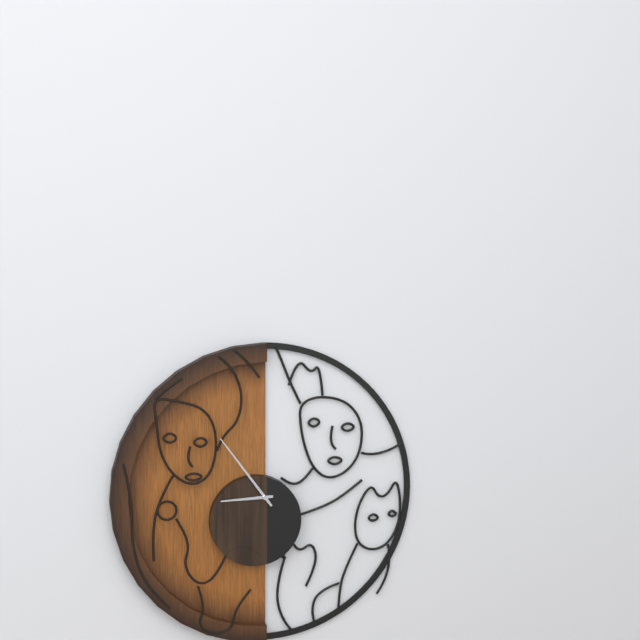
**8:54**
